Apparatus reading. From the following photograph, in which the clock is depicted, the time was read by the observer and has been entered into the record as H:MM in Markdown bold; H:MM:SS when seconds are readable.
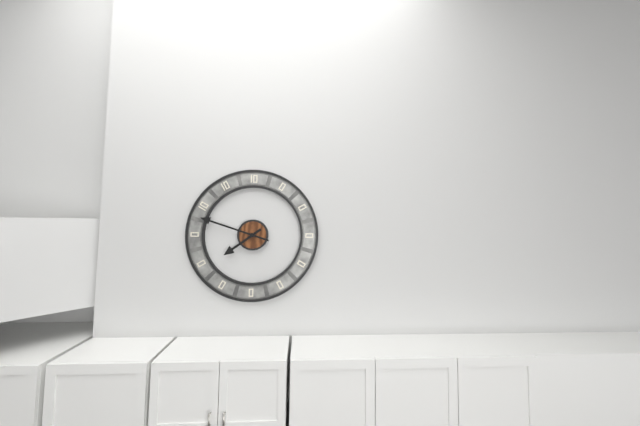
**7:48**
